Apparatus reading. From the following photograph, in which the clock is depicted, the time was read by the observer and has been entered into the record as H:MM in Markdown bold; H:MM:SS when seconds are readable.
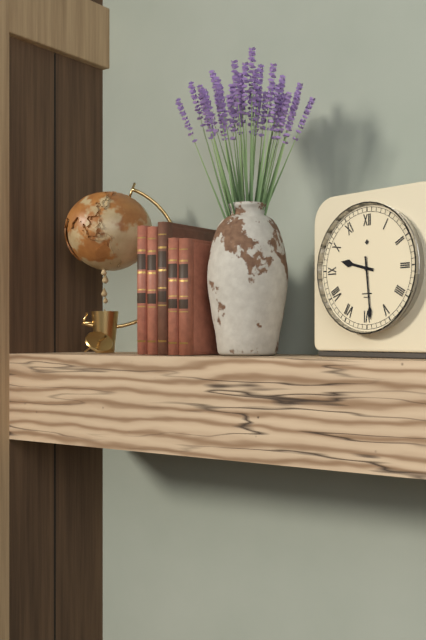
**9:29**
